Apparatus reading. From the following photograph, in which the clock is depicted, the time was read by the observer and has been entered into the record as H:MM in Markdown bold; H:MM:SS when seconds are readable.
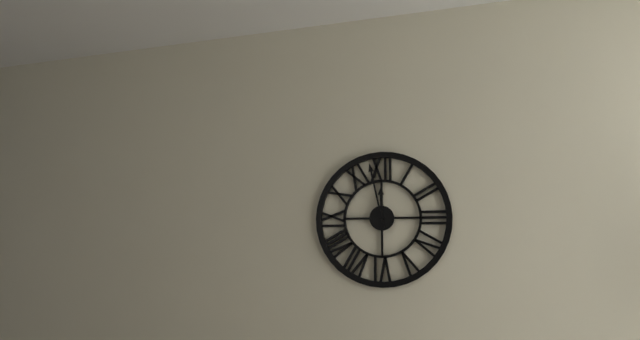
**11:58**
